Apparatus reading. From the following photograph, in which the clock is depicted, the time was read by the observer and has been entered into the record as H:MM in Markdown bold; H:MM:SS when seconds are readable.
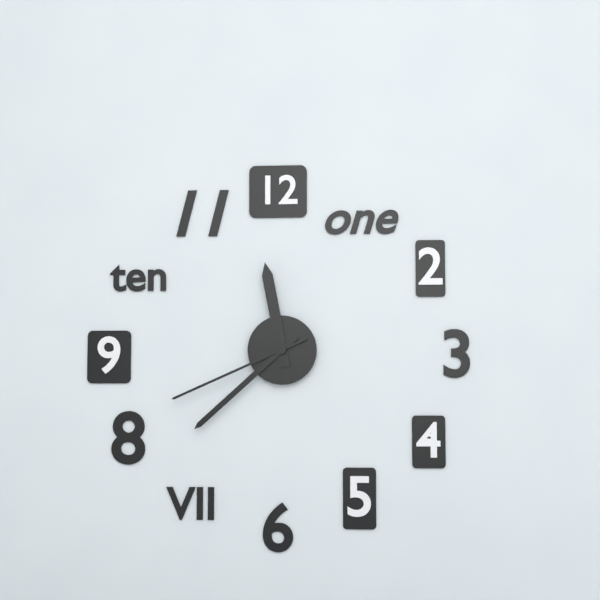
**11:38:41**
